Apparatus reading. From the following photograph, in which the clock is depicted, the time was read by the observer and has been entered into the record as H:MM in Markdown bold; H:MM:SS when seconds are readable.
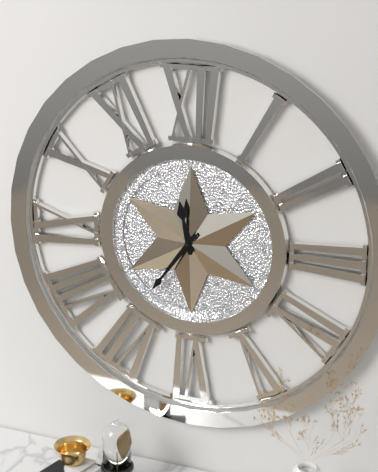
**11:36**
